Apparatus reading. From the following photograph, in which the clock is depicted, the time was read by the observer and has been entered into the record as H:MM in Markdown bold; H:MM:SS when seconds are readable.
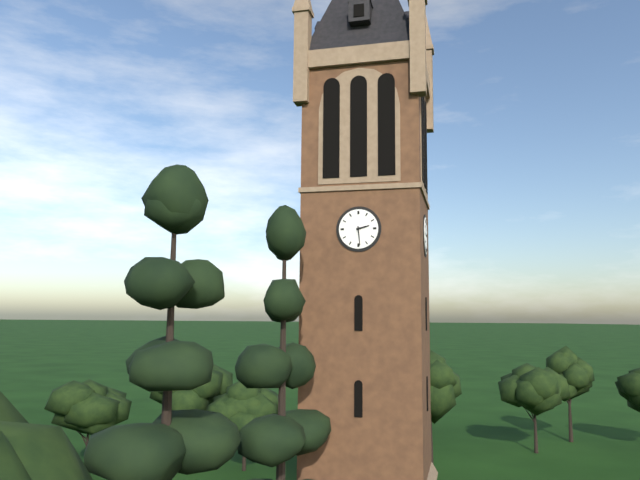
**2:29**
